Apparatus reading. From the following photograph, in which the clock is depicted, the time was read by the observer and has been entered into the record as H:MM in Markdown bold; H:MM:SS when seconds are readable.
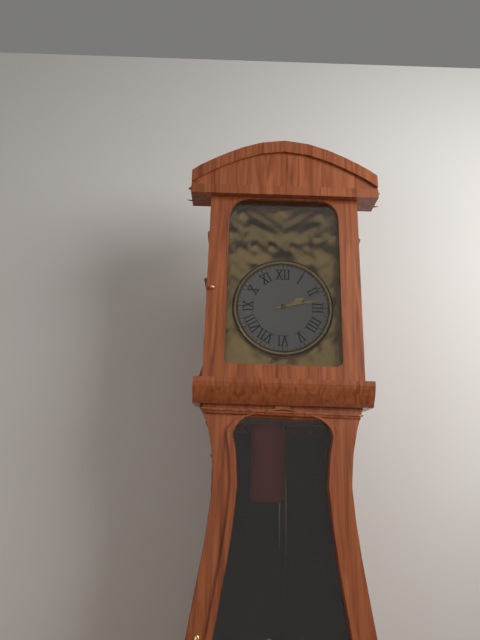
**2:13**
